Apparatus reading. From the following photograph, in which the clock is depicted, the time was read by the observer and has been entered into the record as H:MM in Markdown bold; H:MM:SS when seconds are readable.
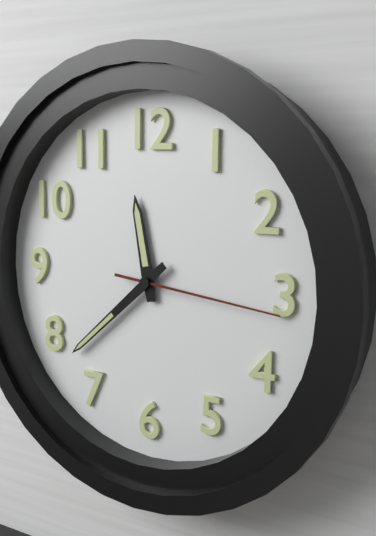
**11:38:16**
